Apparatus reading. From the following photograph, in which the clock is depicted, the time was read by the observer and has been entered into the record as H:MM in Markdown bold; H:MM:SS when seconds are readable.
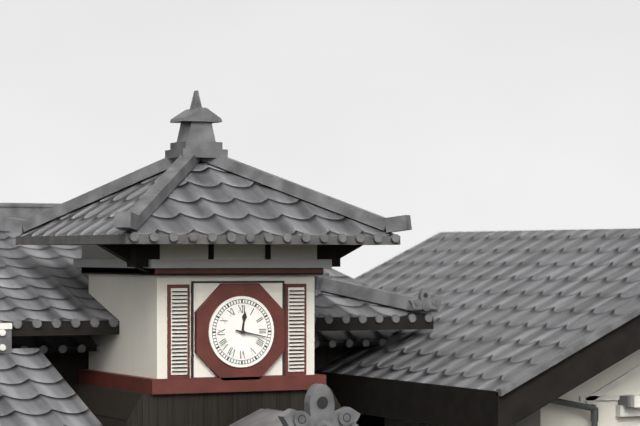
**12:17**
